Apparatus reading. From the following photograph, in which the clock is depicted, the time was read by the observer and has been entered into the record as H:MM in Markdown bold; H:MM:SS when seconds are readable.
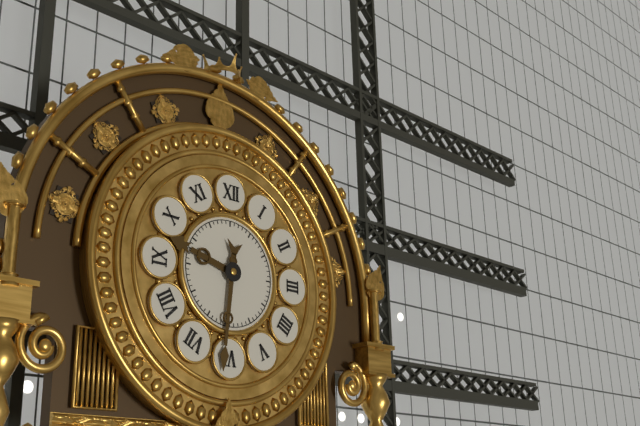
**9:31**
